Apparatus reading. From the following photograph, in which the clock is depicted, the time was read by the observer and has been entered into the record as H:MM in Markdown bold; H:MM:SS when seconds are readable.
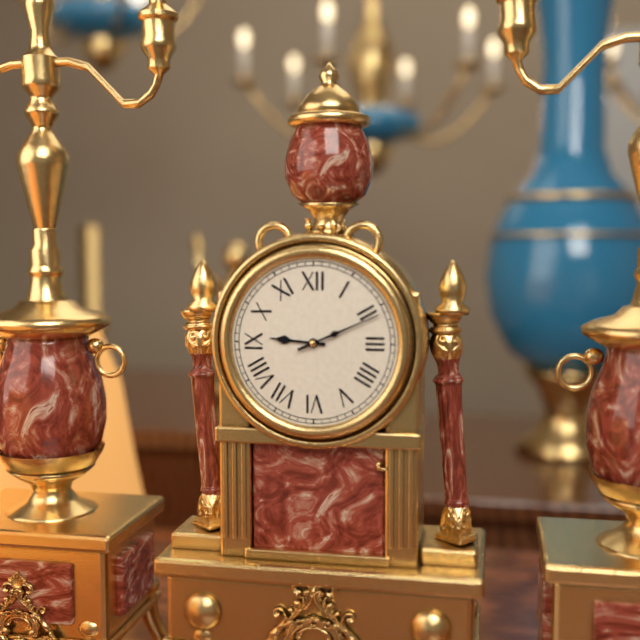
**9:11**
